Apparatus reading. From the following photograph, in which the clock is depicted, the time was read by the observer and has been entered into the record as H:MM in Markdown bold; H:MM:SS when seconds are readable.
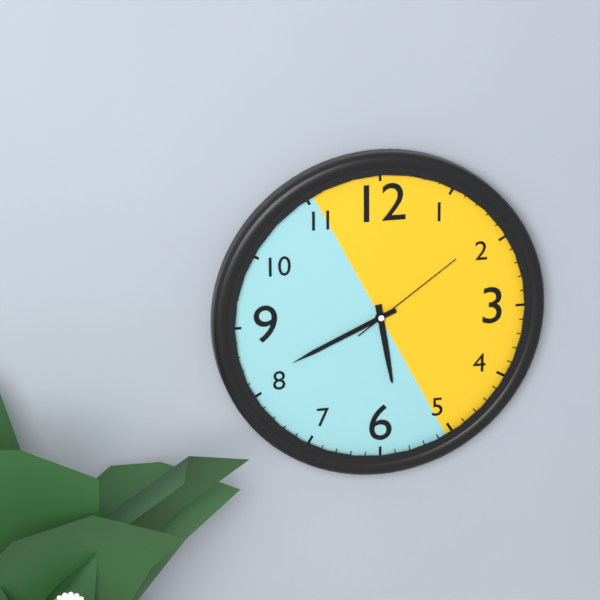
**5:41:09**
